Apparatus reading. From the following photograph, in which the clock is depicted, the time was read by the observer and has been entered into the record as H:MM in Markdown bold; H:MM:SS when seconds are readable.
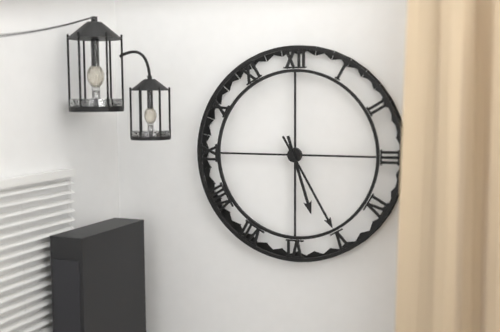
**5:25**
